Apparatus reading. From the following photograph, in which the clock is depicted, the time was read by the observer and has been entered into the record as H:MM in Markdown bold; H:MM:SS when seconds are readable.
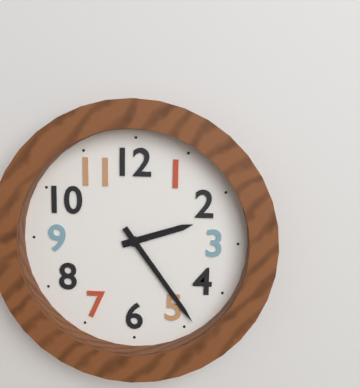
**2:24**
